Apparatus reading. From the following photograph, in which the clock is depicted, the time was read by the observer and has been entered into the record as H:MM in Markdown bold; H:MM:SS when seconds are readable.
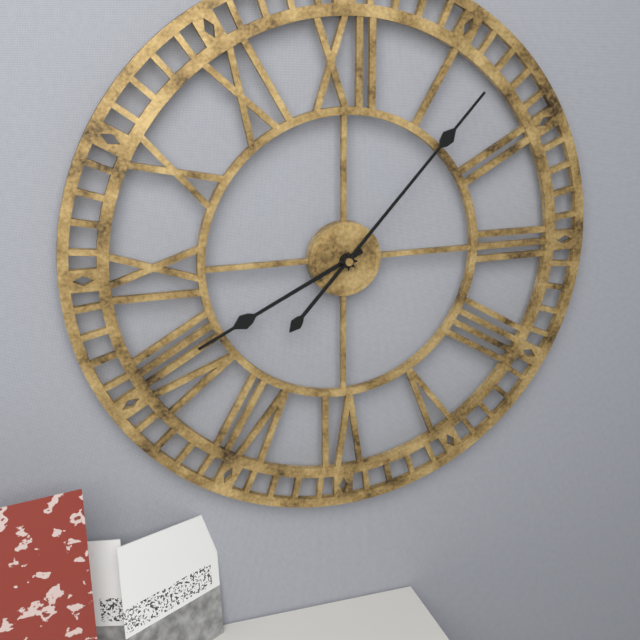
**8:07**
